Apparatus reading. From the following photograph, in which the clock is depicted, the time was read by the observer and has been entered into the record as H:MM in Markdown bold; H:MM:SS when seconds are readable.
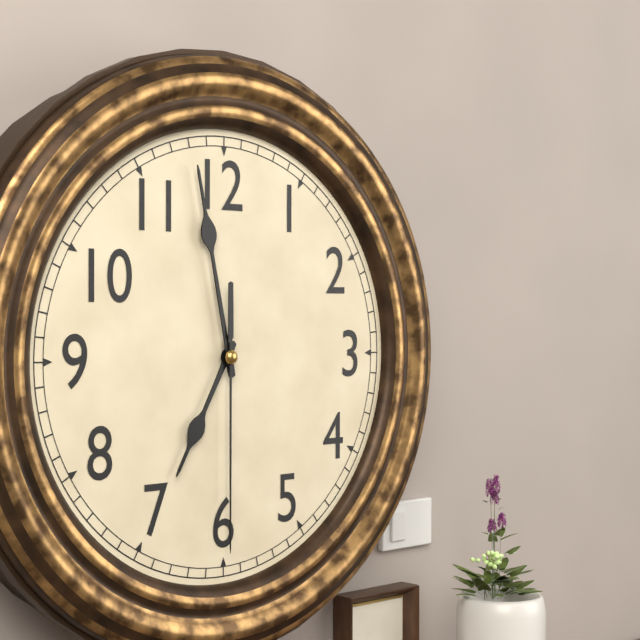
**6:58:30**
